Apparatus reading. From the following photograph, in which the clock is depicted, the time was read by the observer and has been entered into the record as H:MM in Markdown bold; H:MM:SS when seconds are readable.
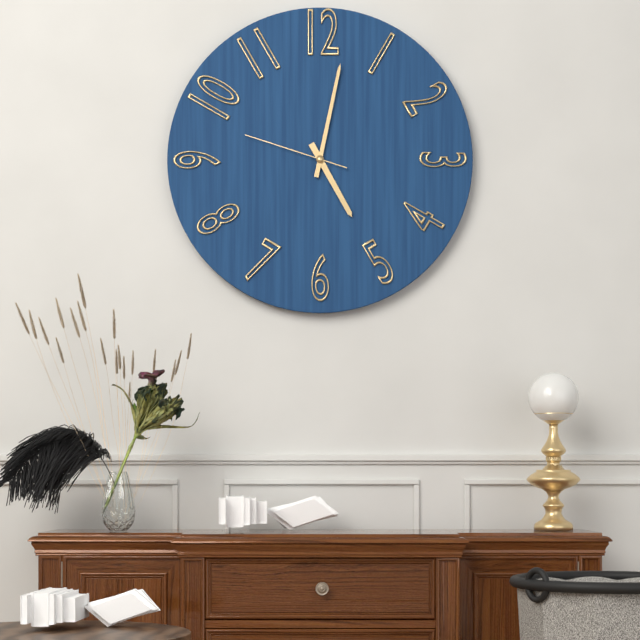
**5:02:48**
